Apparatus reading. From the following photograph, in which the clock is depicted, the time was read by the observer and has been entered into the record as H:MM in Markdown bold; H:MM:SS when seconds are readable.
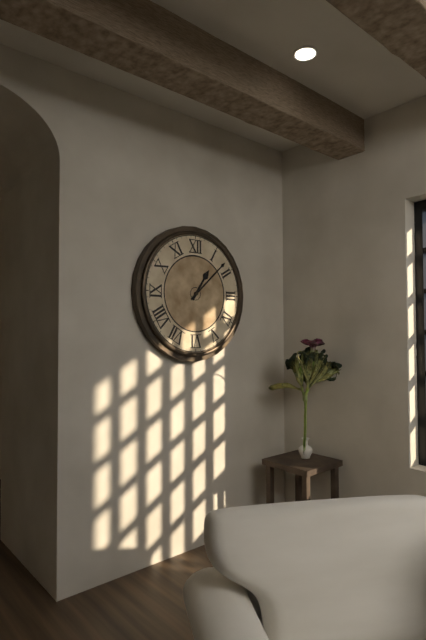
**1:08**
